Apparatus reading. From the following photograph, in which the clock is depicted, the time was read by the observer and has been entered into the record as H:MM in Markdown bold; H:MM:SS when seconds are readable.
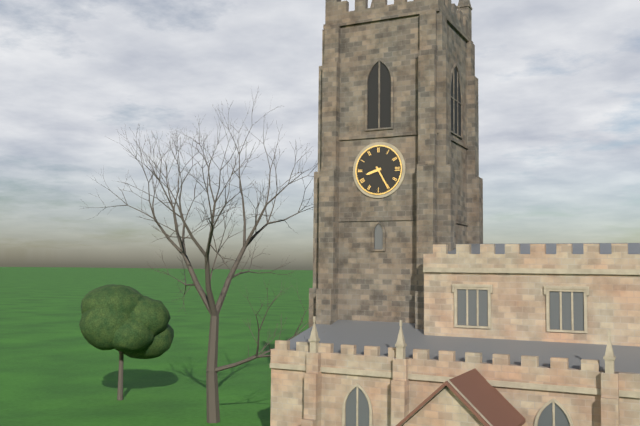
**8:25**
